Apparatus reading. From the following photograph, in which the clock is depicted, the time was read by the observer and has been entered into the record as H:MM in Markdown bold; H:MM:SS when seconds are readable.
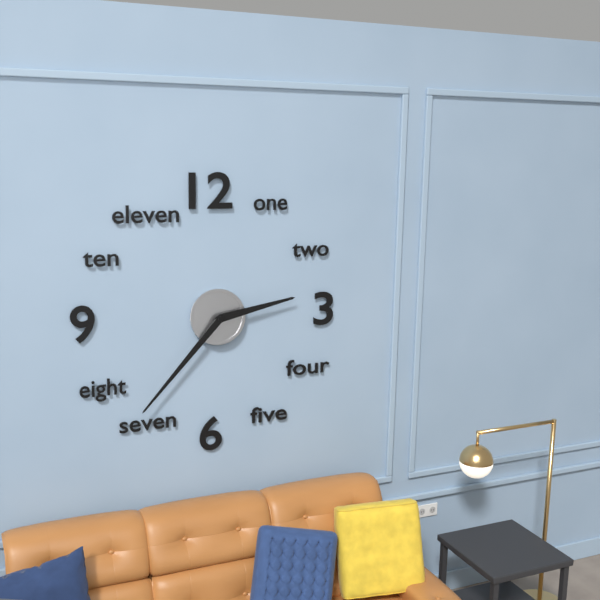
**2:37**
